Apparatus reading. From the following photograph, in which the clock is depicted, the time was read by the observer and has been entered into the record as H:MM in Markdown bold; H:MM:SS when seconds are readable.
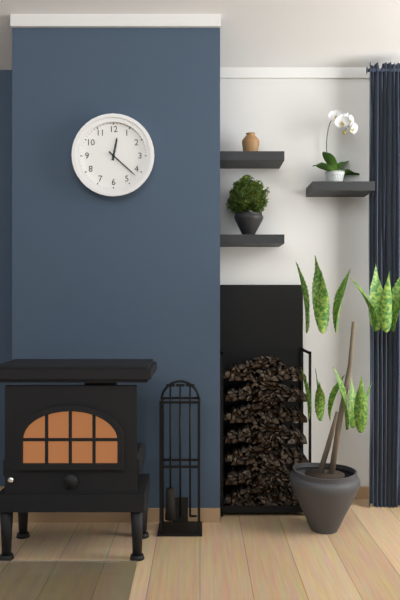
**12:22**
